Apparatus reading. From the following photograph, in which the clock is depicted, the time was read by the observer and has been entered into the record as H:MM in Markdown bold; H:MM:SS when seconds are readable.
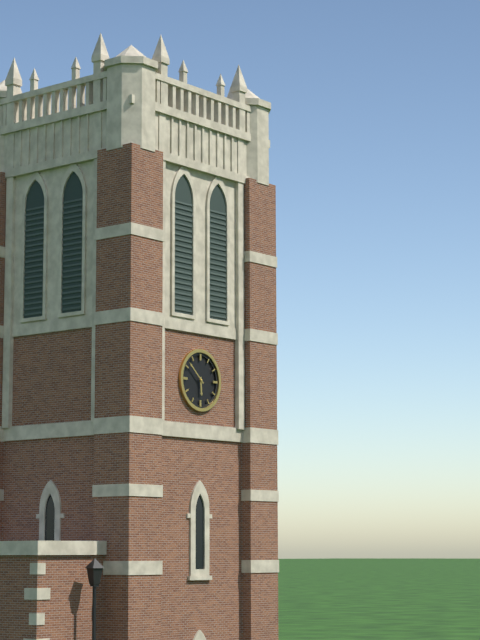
**5:52**
